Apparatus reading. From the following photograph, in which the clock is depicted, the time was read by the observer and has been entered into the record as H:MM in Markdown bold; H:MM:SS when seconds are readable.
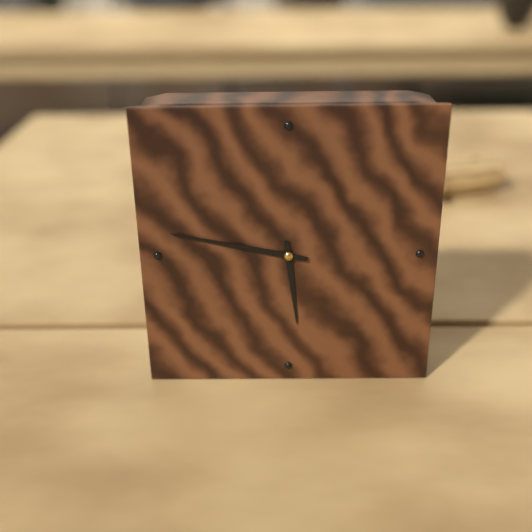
**5:47**
